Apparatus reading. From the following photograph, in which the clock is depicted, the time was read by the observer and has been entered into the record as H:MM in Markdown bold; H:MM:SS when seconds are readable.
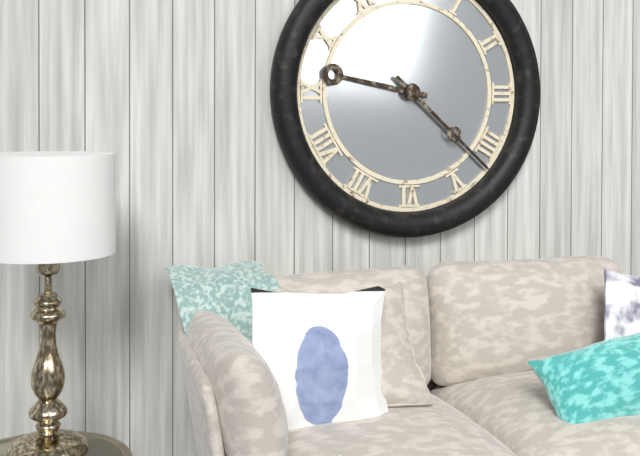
**9:22**
